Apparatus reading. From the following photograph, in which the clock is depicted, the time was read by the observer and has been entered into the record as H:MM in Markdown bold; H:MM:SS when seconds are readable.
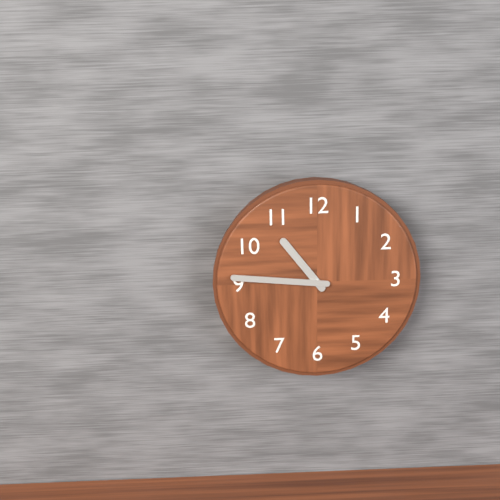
**10:46**
